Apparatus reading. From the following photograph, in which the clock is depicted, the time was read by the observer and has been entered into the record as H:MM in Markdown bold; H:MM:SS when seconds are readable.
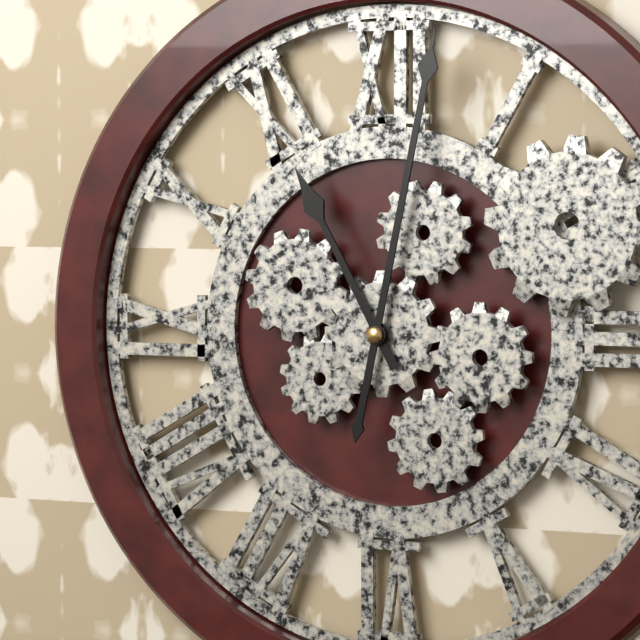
**11:02**
